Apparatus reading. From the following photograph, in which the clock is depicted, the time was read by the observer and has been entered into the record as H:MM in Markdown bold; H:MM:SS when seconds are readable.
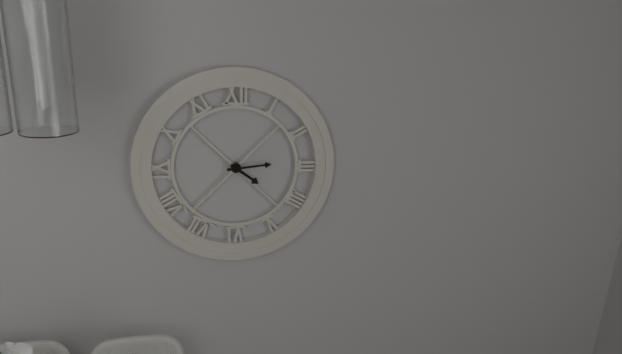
**4:14**
